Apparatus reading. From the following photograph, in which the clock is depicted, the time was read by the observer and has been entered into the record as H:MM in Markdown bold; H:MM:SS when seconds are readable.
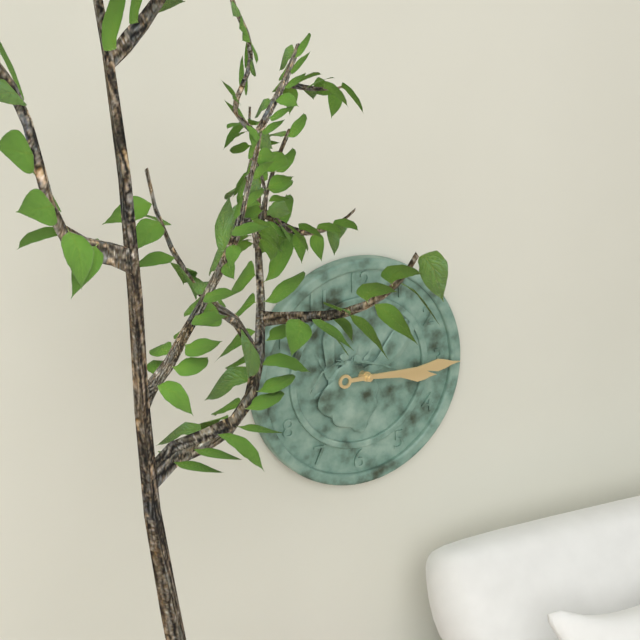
**3:15**
